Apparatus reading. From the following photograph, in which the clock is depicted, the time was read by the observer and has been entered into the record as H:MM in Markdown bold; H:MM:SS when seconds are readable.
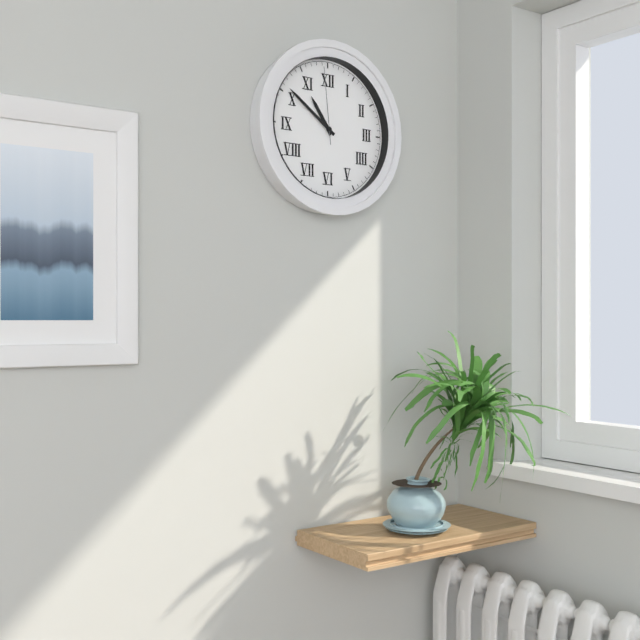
**10:51:59**
